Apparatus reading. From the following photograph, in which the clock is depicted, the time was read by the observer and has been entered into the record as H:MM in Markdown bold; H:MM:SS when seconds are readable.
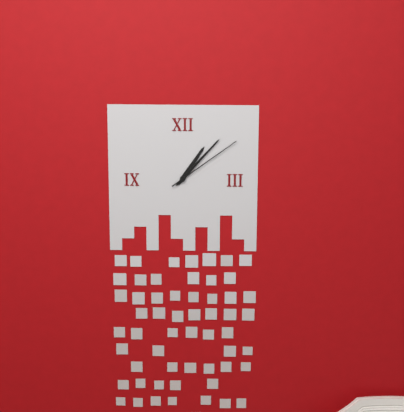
**1:07:09**
